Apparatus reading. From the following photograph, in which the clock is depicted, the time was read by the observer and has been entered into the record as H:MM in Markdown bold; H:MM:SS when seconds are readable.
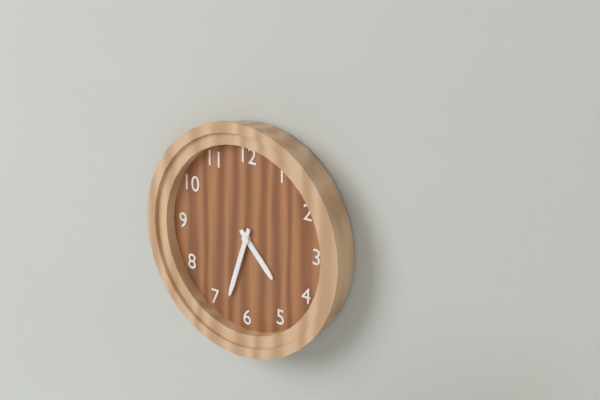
**4:33**
